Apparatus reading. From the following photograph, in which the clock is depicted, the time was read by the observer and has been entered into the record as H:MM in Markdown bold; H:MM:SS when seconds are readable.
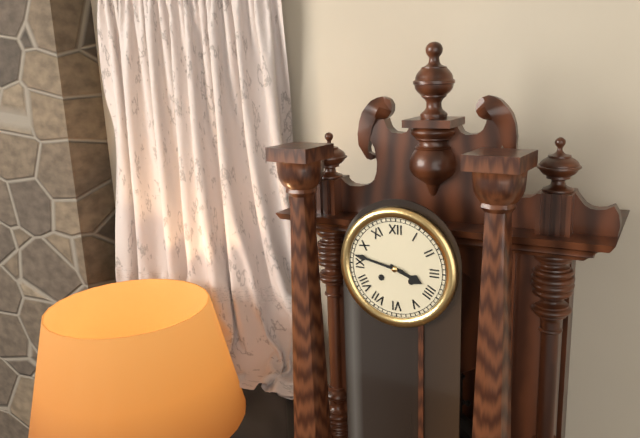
**3:47**
